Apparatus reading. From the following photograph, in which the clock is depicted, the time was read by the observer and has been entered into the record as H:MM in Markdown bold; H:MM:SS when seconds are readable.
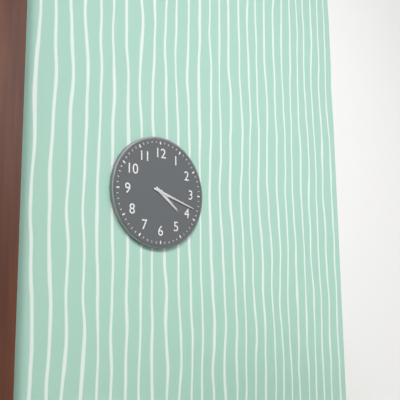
**4:18**
